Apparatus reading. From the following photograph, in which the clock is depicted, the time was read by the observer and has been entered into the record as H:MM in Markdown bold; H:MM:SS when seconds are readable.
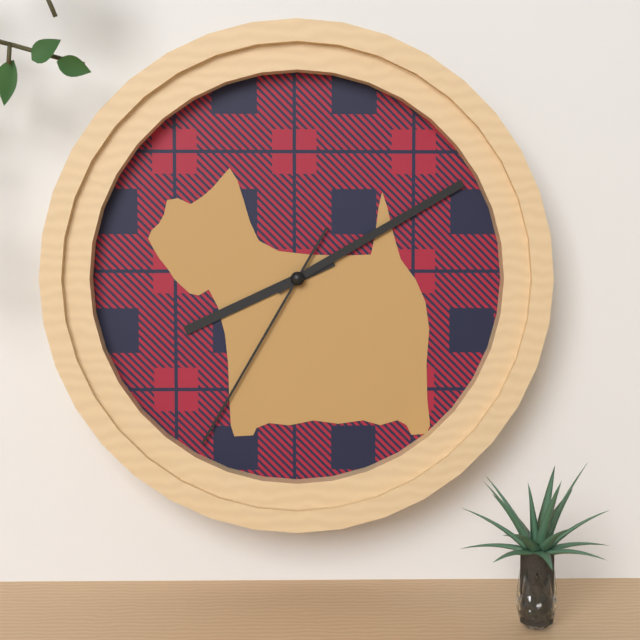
**8:10:35**
